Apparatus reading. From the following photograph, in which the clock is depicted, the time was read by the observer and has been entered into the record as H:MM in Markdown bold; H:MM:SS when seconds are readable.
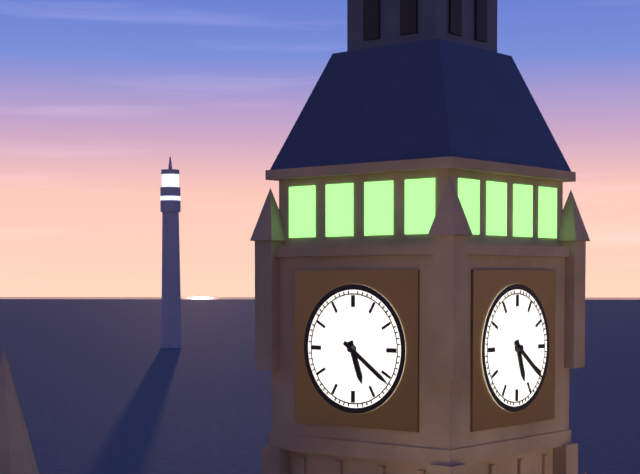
**5:21**
